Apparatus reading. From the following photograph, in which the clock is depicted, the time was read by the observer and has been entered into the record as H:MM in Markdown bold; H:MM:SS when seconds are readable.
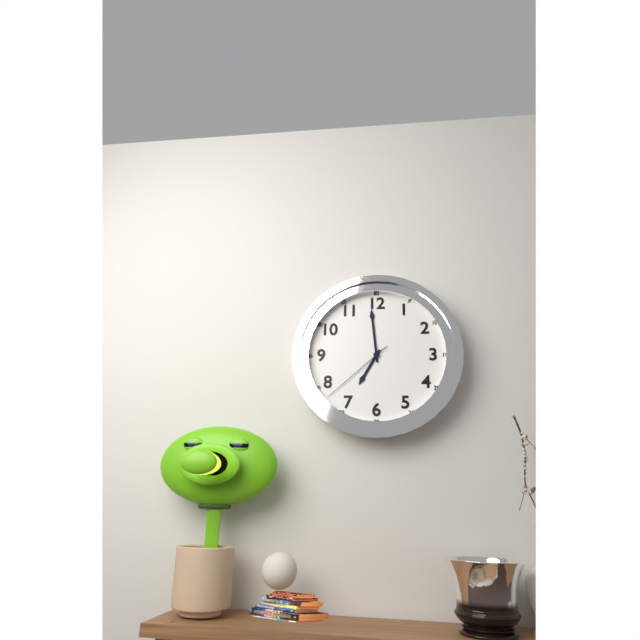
**6:59:38**
